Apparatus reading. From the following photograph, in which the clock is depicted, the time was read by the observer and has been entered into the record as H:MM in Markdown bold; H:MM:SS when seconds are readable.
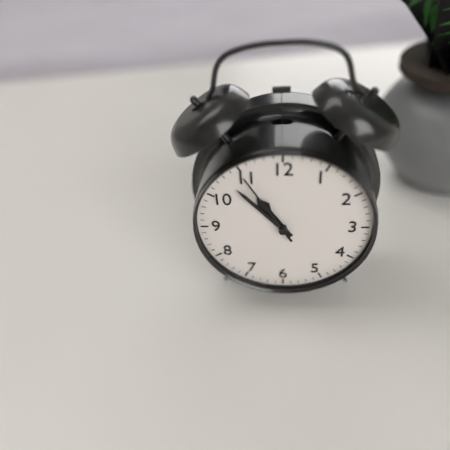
**10:53:55**
